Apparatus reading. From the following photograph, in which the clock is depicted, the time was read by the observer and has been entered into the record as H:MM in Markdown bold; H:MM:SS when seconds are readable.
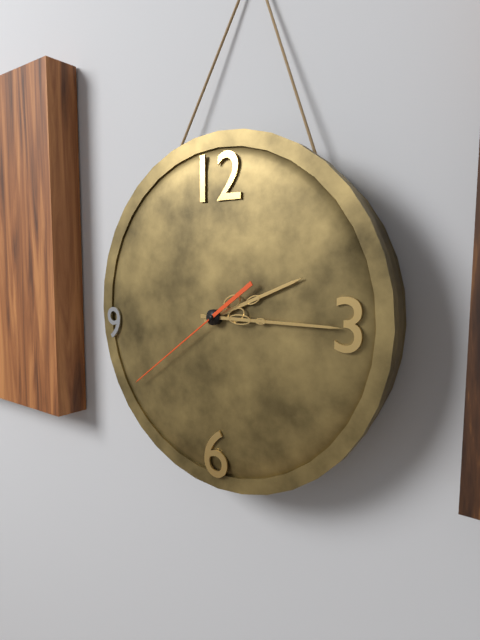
**2:15:39**
